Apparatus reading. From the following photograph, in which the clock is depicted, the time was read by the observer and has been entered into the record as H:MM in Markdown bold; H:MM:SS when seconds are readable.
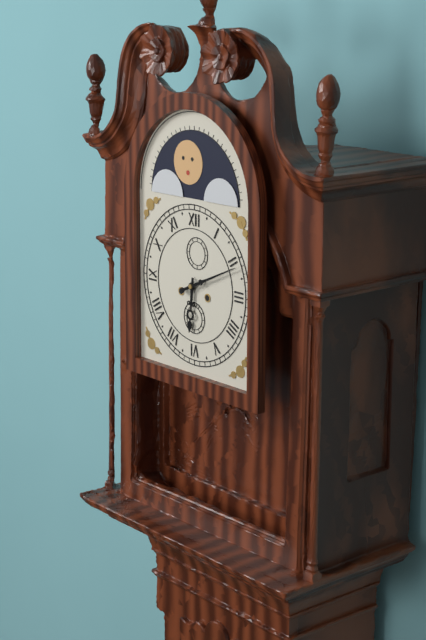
**6:11**
